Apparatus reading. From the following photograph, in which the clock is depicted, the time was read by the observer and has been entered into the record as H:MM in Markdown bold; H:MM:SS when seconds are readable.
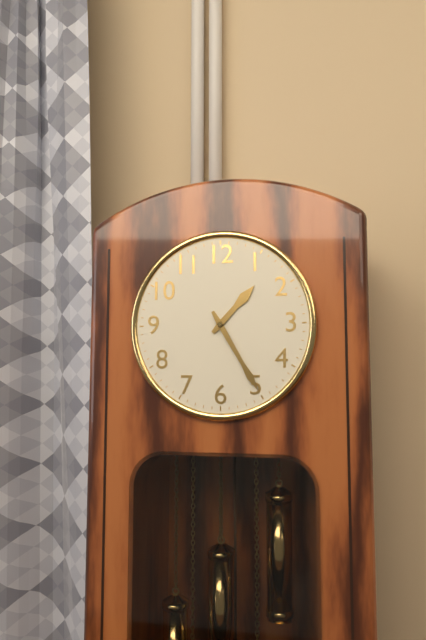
**1:25**
